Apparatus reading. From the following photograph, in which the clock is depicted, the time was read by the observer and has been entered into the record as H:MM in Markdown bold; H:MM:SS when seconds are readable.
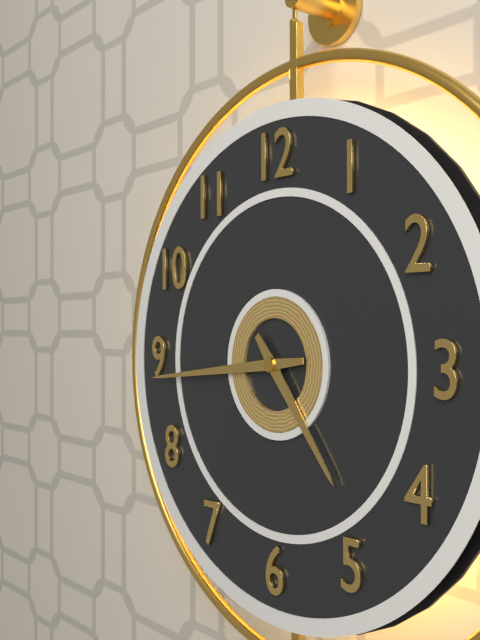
**4:44**
